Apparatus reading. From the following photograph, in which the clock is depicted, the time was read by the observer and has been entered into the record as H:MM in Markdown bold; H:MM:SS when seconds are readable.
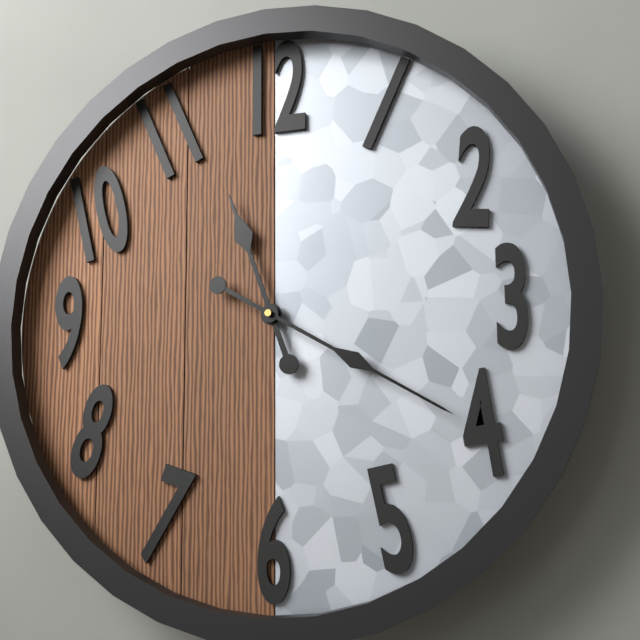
**11:20**
